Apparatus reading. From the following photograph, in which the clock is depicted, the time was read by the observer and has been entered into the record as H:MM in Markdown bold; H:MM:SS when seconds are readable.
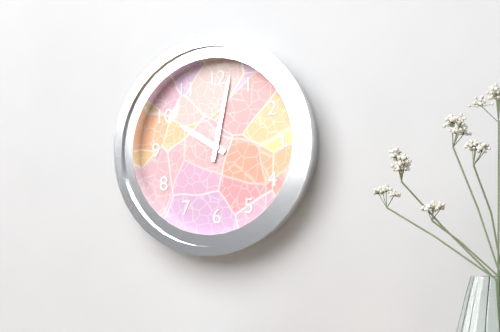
**10:02**
